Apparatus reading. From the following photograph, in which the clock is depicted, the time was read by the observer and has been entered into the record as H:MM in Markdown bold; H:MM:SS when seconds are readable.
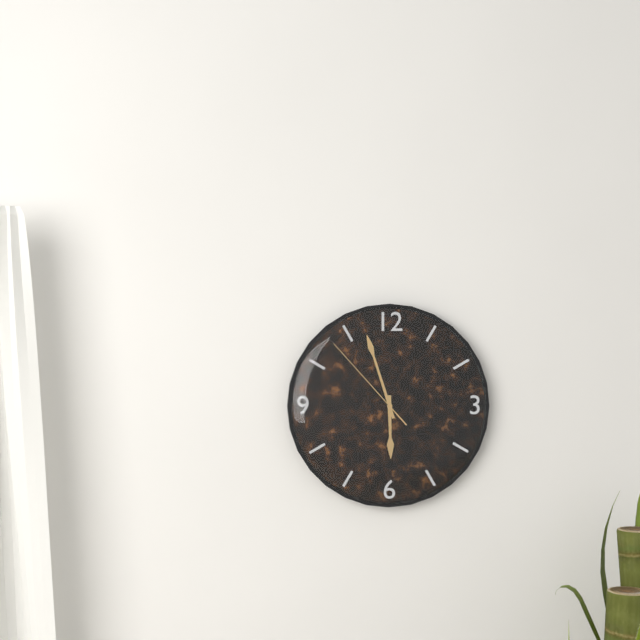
**5:57:53**
